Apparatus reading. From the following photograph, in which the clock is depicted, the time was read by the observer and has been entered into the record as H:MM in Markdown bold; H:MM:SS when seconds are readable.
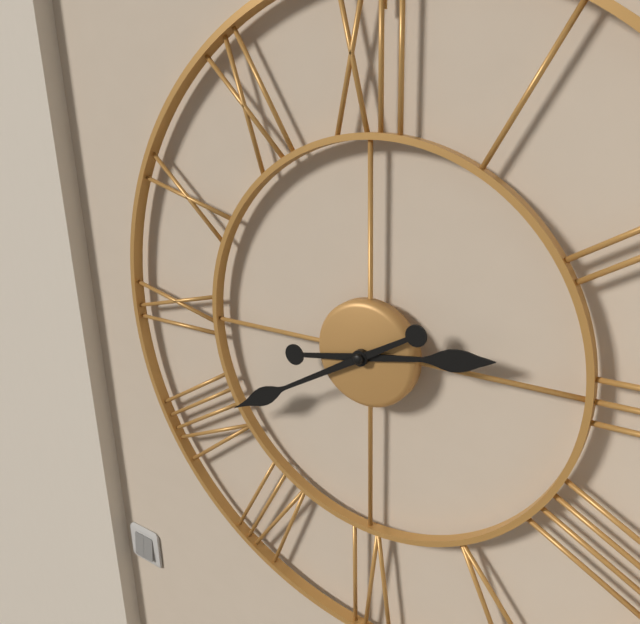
**2:40**
